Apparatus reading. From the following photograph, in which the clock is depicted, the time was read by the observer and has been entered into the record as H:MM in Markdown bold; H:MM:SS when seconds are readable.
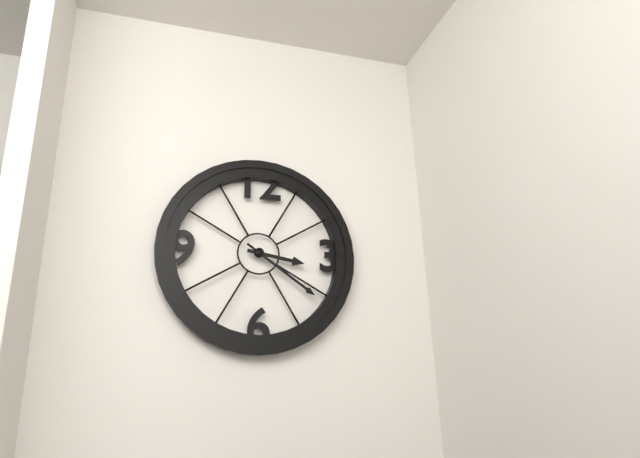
**3:21**
